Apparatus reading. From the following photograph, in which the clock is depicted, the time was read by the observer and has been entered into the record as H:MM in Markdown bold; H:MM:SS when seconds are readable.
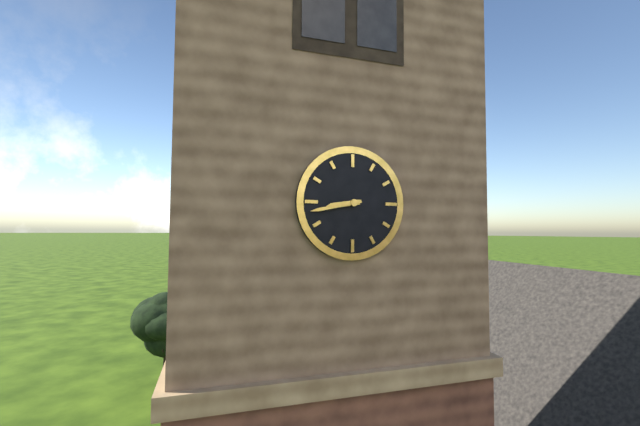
**8:43**
